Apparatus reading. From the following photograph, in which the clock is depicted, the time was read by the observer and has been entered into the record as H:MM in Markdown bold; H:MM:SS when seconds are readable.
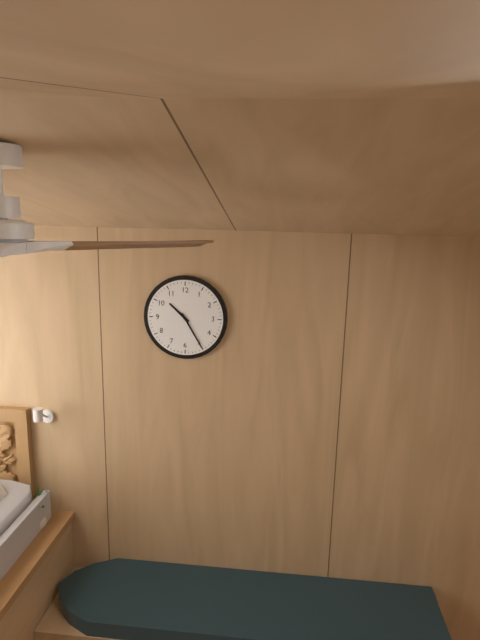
**10:25**
